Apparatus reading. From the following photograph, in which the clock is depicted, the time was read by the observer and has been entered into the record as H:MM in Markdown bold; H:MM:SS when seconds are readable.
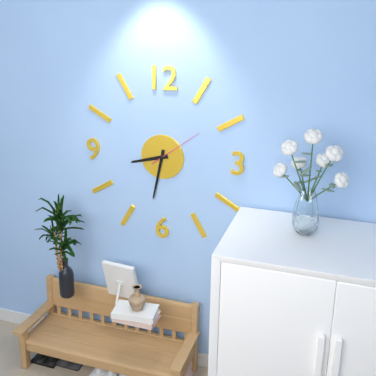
**8:32:09**
